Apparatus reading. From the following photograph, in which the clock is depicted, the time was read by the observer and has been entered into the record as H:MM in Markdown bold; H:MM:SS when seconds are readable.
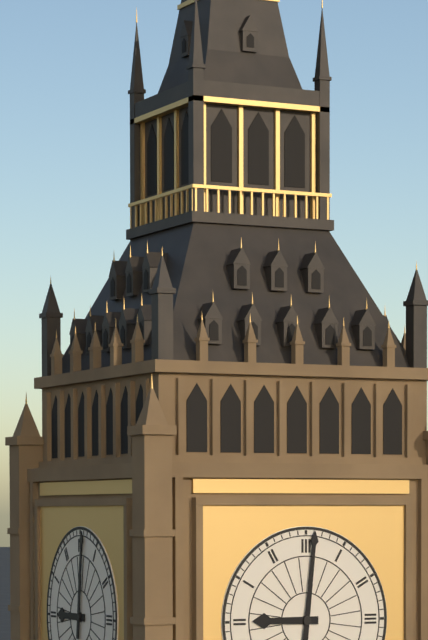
**9:01**
